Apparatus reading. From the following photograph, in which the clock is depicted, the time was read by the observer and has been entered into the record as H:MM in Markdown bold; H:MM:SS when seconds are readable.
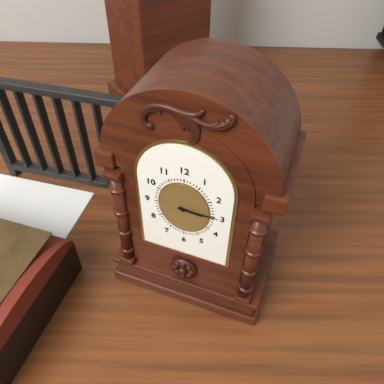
**3:15**
